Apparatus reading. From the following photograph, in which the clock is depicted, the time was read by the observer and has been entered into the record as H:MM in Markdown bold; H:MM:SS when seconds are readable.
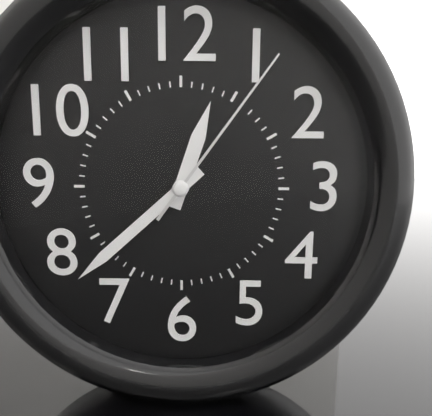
**12:38:06**
